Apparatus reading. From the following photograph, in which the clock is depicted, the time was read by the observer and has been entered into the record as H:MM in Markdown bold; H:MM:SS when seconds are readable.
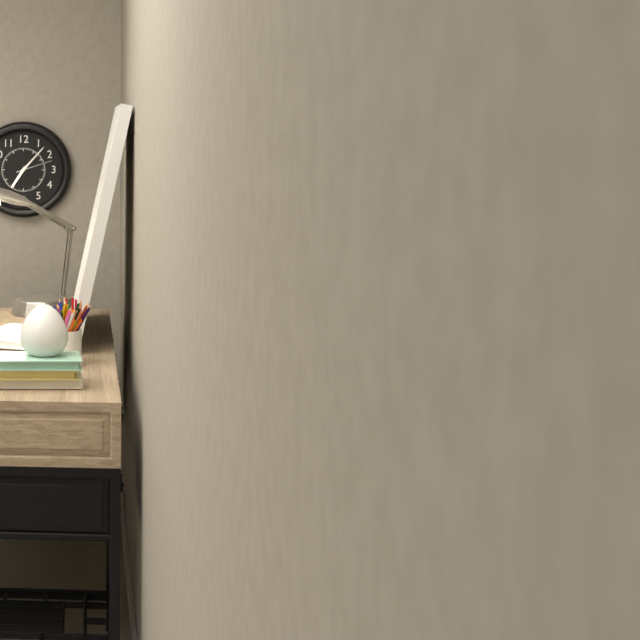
**7:07**
